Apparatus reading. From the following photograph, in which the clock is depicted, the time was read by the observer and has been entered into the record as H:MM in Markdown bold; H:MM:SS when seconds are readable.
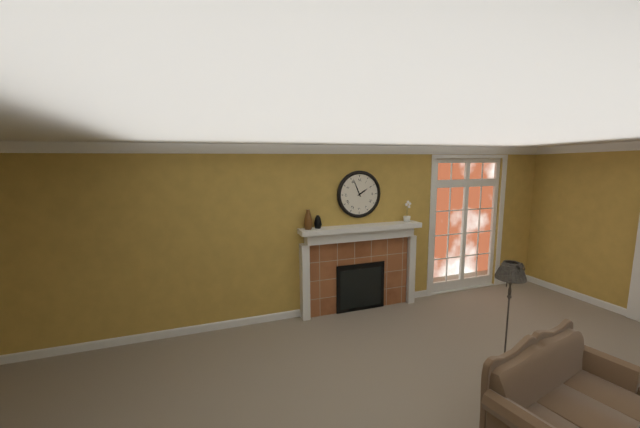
**1:56**
